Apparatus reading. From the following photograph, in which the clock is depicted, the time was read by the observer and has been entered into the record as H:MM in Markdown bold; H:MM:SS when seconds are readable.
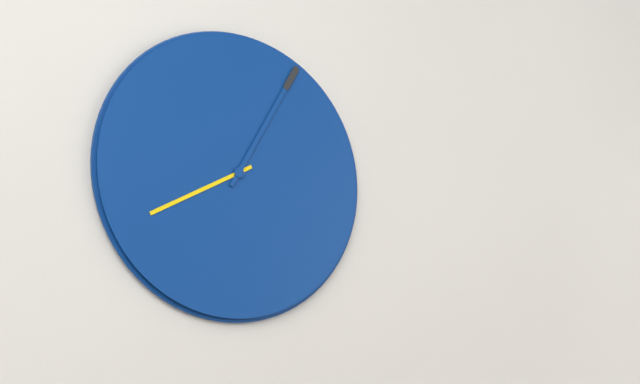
**8:05**
